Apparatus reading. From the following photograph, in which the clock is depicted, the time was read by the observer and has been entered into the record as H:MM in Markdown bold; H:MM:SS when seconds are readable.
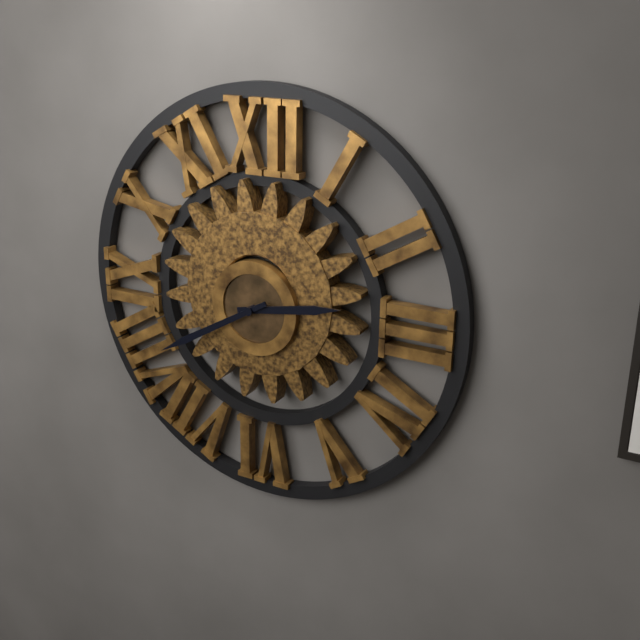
**2:40**
